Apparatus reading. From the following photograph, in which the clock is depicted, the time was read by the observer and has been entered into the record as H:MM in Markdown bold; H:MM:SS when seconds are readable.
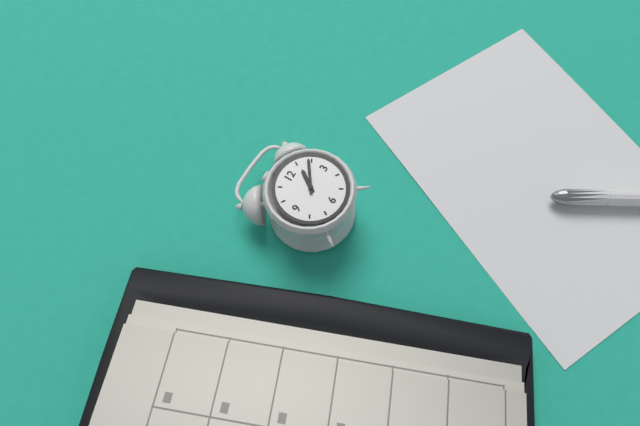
**1:09**
